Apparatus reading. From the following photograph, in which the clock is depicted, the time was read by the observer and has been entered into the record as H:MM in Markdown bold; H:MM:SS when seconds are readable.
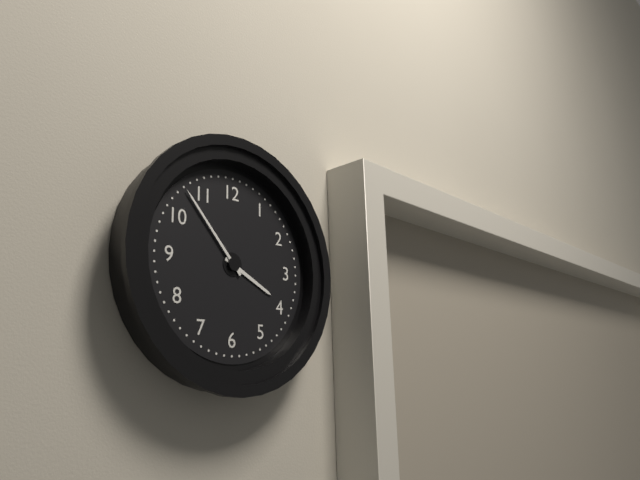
**3:53**
